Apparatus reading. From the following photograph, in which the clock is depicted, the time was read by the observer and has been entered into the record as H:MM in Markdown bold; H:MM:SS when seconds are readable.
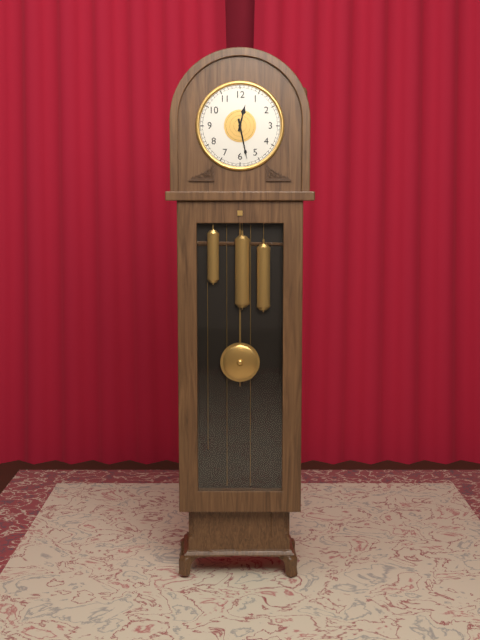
**12:28**
